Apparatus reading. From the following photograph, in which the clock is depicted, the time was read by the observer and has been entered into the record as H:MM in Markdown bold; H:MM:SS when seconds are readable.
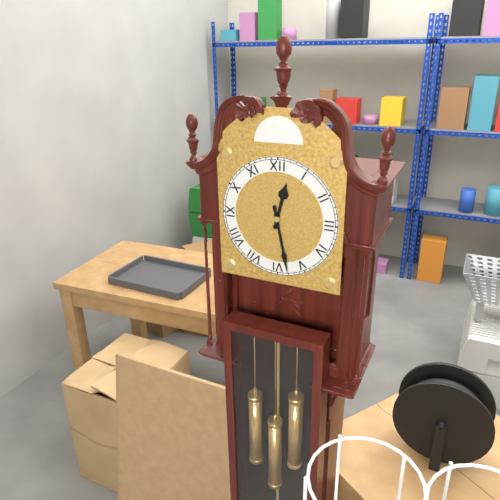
**12:28**
